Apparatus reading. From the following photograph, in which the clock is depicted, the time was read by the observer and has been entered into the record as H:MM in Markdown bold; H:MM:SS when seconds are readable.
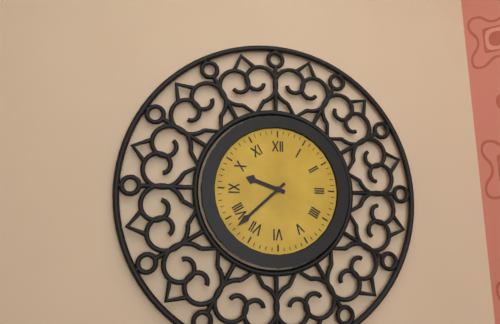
**9:38**
